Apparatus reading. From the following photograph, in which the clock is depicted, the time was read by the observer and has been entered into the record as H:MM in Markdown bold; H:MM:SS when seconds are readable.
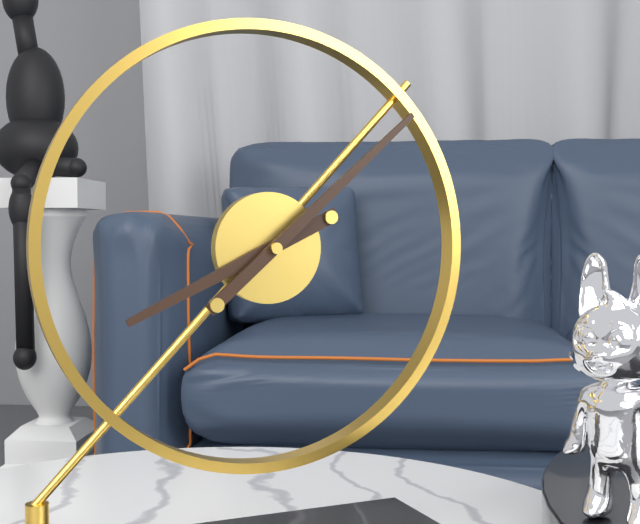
**8:08**
